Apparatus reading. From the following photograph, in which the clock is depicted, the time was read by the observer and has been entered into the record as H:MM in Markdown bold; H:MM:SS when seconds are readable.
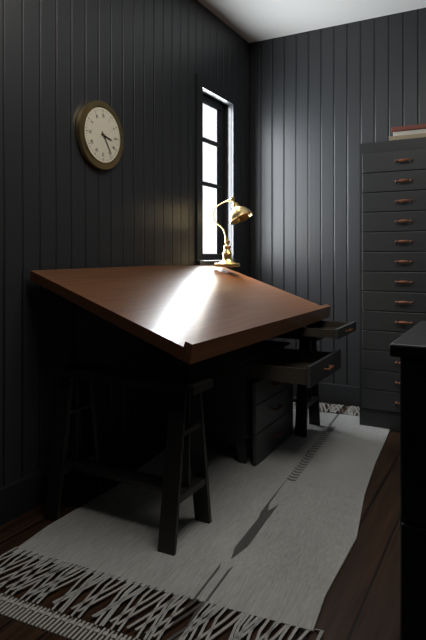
**3:24**
